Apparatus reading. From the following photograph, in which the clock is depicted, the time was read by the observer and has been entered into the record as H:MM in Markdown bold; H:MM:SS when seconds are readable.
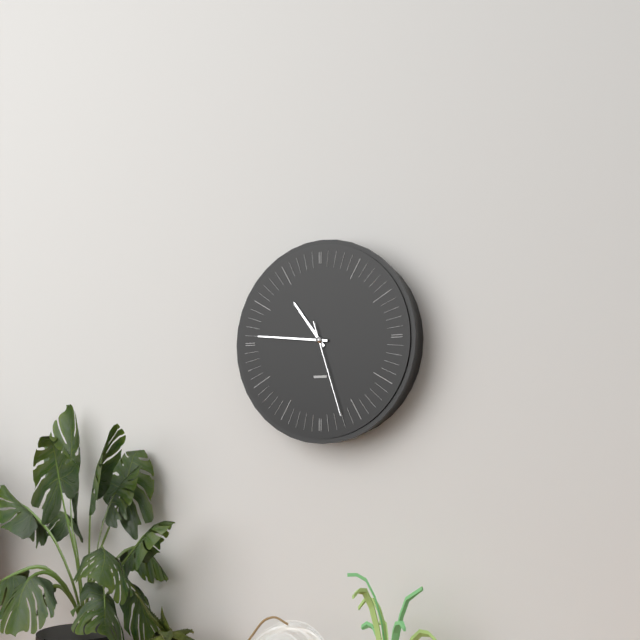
**10:46:27**
